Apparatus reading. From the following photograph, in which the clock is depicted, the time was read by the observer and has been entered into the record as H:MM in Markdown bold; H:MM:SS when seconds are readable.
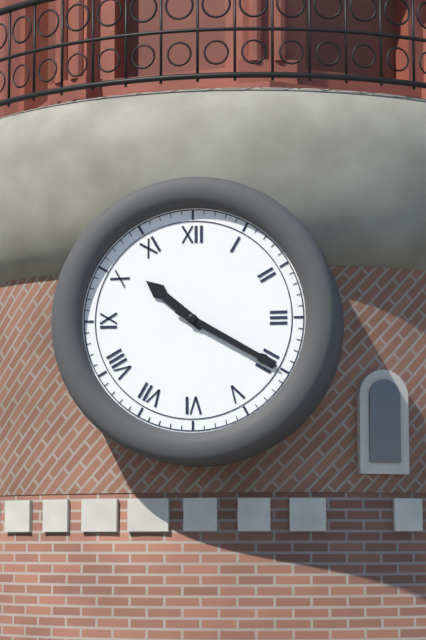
**10:20**
